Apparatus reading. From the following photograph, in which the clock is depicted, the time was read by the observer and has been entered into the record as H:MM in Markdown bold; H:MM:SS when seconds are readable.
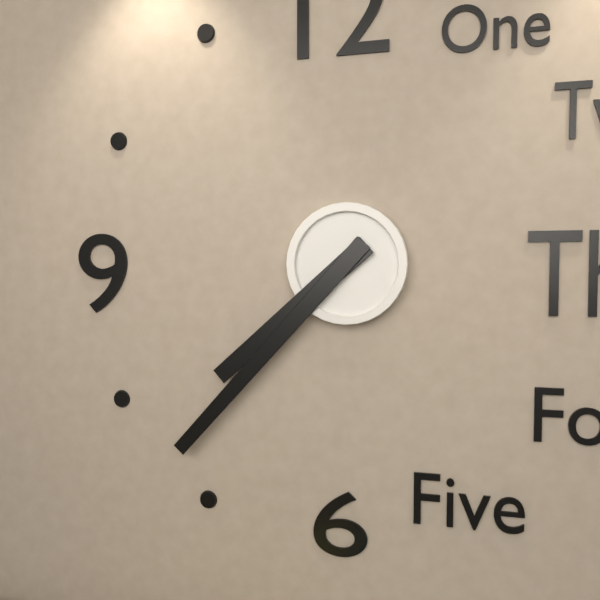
**7:37**
